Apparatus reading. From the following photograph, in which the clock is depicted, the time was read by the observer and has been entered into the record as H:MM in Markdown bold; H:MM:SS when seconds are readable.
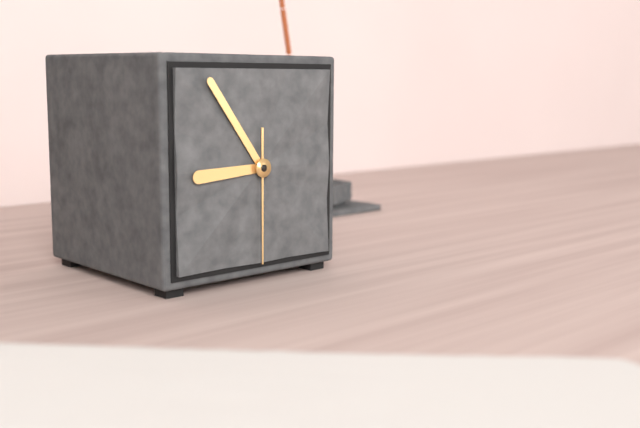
**8:54:30**
